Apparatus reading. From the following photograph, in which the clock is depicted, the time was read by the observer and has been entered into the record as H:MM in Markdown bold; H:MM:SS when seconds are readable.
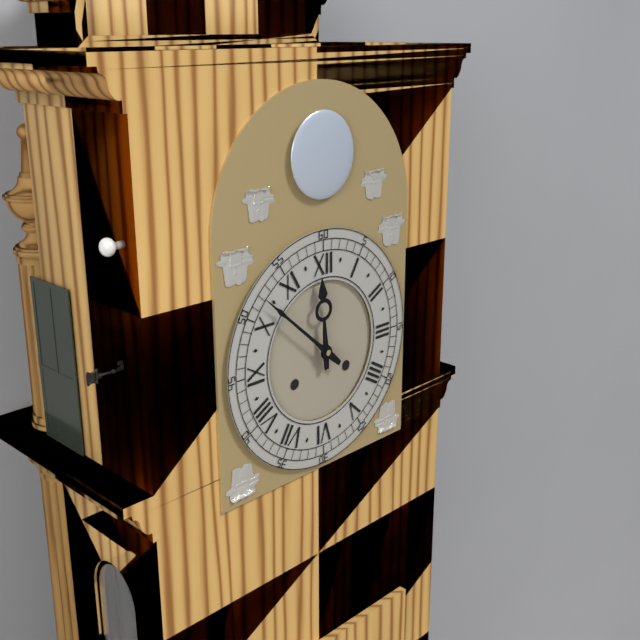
**11:52**
